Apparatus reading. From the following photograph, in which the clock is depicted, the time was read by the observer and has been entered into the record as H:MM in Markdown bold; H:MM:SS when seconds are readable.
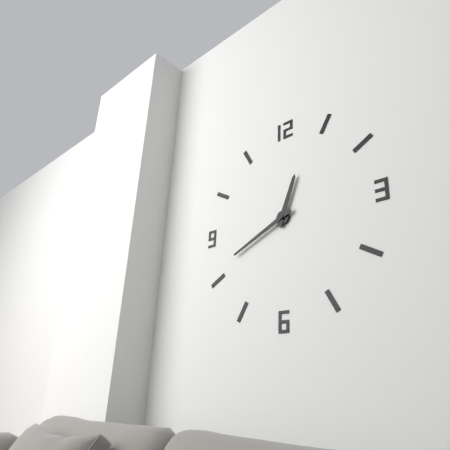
**12:41**
